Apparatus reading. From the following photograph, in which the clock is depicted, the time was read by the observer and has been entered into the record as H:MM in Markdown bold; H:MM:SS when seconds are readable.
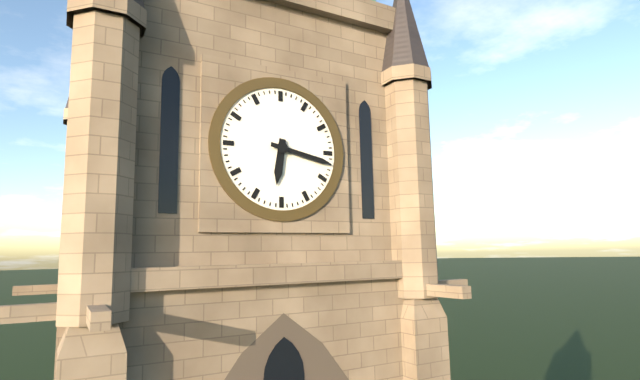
**6:17**
